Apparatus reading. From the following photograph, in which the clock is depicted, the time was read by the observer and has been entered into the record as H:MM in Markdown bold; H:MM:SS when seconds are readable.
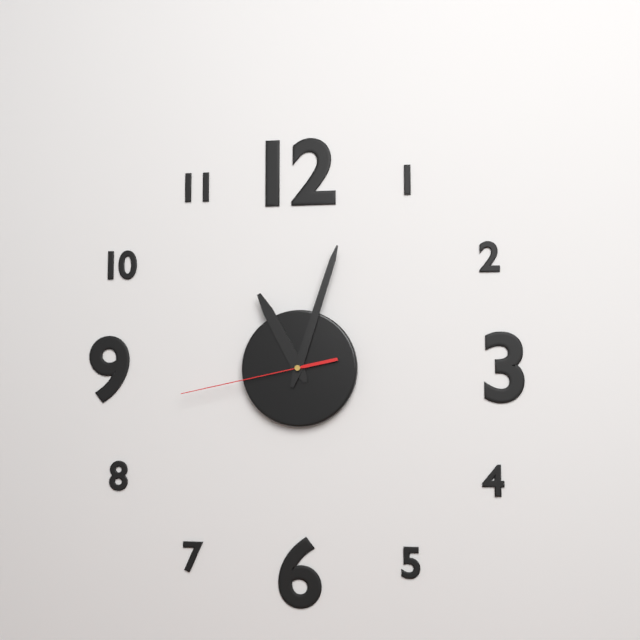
**11:03:43**
